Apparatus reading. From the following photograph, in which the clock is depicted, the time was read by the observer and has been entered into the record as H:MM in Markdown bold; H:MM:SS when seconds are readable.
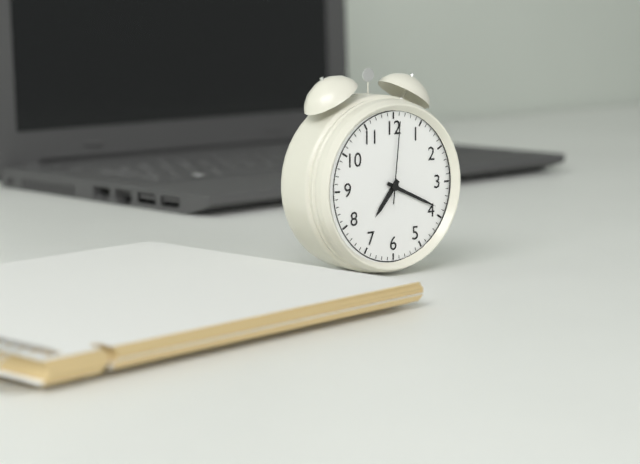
**7:19:01**
